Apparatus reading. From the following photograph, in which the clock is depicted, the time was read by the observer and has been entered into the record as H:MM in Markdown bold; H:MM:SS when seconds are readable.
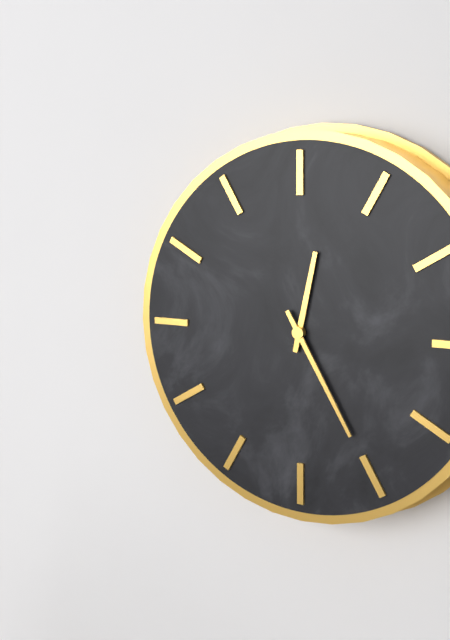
**12:25**
